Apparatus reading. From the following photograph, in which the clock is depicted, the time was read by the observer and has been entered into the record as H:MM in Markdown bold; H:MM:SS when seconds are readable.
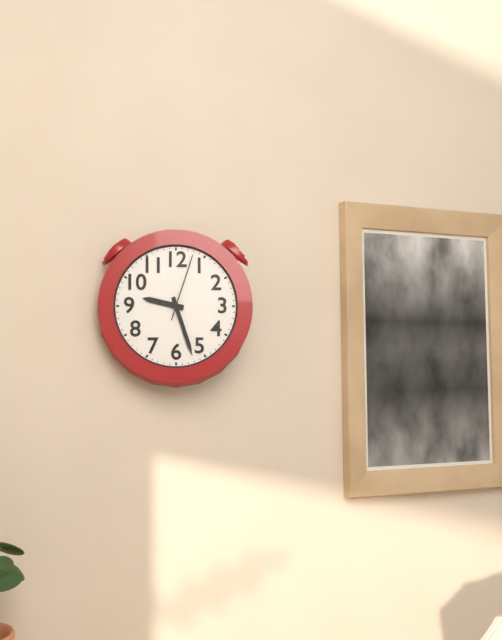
**9:27:03**
